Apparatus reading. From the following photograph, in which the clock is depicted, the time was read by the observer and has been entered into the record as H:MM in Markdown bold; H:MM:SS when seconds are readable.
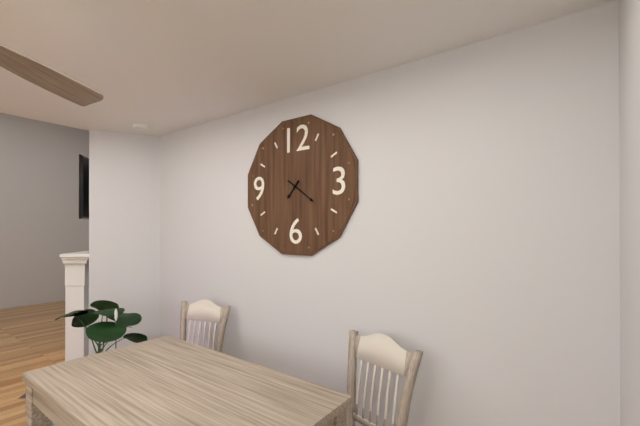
**7:21**
